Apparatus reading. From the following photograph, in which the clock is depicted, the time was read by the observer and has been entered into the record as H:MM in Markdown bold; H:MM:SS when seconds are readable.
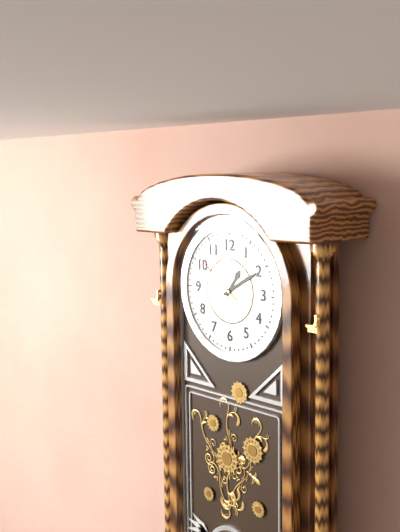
**1:10:51**
